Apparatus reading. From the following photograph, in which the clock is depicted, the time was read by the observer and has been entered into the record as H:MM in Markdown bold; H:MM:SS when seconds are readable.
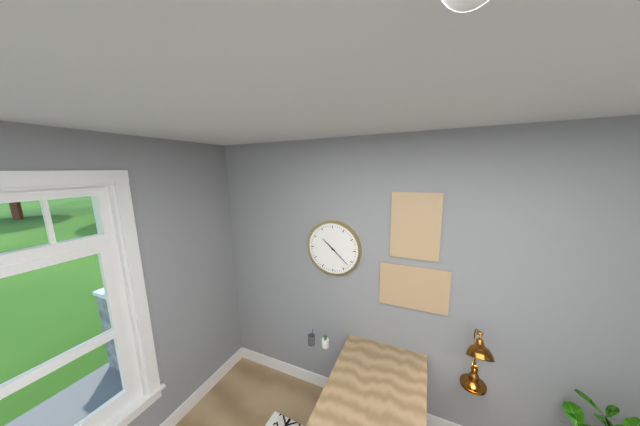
**10:22**
